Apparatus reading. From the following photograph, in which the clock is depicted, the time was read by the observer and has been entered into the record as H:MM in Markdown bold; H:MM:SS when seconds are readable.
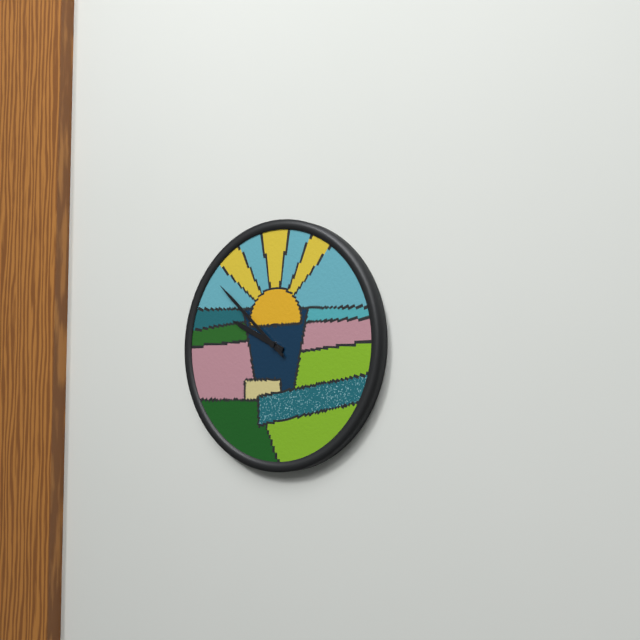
**9:52**
